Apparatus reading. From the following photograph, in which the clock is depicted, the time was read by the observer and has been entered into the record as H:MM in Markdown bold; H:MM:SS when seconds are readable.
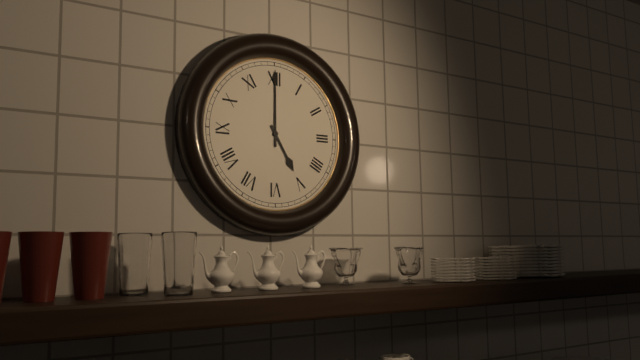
**5:00**
